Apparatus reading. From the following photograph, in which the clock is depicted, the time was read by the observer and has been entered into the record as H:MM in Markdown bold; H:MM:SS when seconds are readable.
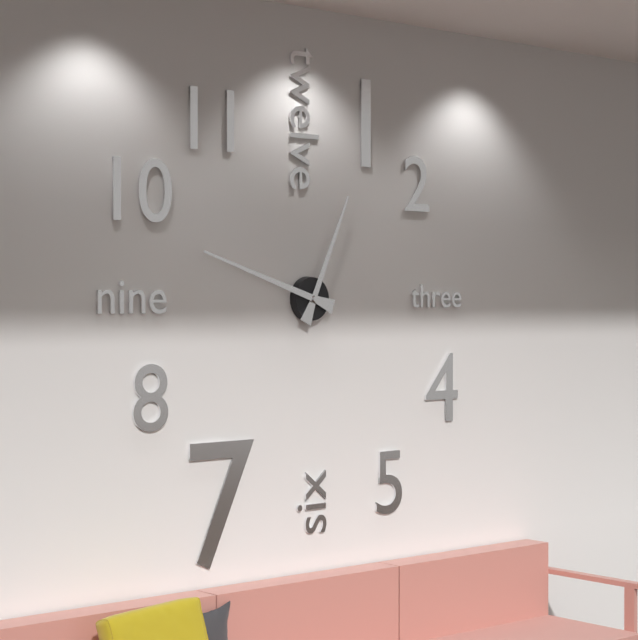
**12:48**
